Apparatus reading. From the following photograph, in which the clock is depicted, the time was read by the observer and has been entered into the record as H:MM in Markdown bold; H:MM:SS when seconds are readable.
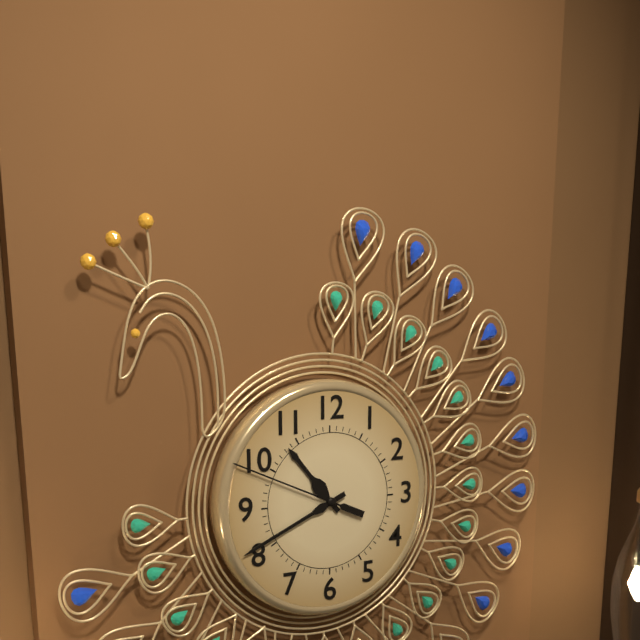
**10:41:49**
